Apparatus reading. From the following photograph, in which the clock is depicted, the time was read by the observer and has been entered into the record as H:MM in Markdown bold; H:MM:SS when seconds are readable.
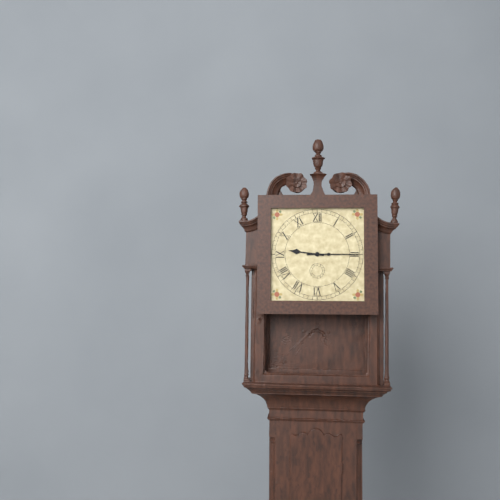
**9:15**
